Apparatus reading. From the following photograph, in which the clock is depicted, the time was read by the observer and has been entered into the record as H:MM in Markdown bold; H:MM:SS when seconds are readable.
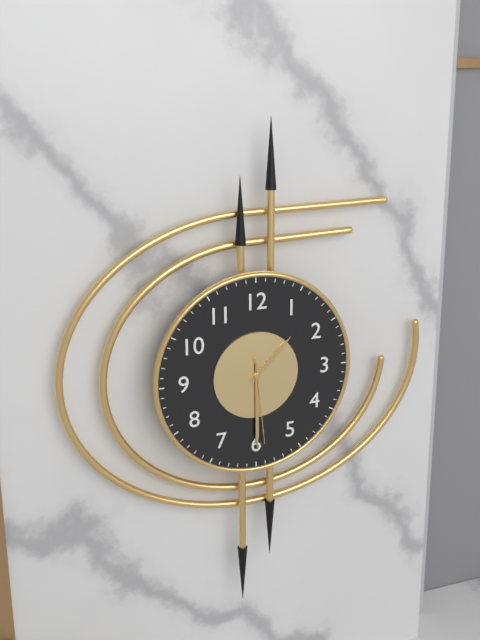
**1:30:29**
